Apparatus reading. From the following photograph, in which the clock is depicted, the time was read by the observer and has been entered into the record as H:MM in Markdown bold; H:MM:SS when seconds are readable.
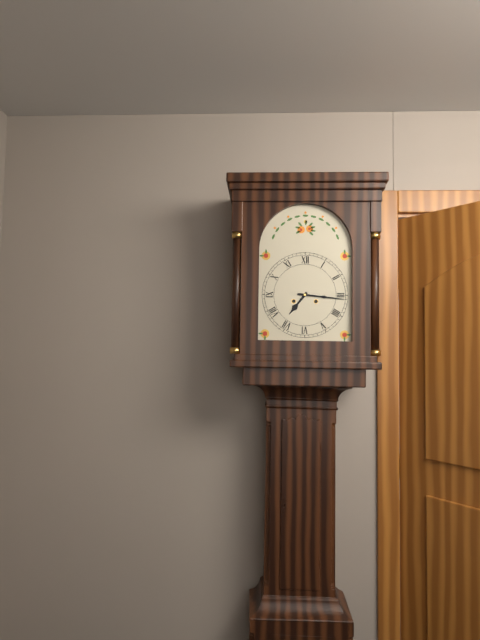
**7:16**
